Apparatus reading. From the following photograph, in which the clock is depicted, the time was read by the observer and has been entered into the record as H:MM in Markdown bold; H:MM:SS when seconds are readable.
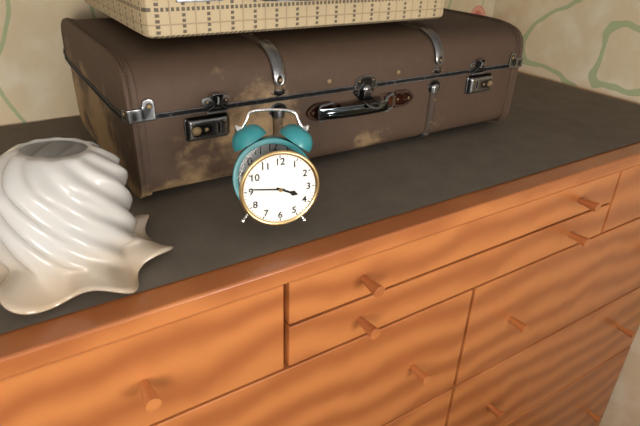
**3:46**
